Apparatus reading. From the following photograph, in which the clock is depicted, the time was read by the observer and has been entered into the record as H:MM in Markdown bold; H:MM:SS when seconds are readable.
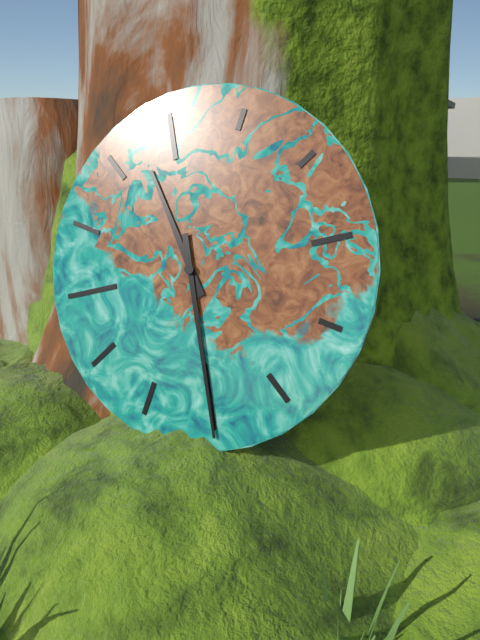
**11:30**
